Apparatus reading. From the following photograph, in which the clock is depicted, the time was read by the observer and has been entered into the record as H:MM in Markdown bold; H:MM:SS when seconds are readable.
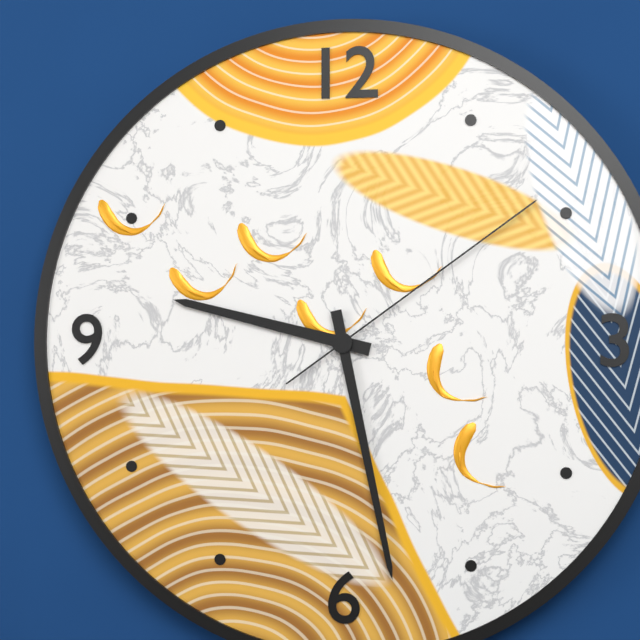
**9:28:09**
